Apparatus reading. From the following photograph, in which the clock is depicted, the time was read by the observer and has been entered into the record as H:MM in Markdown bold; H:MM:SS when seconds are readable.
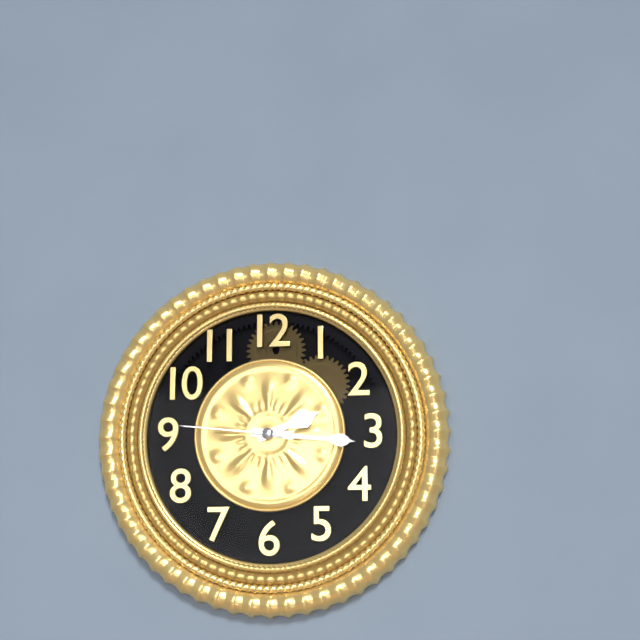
**2:16:46**
